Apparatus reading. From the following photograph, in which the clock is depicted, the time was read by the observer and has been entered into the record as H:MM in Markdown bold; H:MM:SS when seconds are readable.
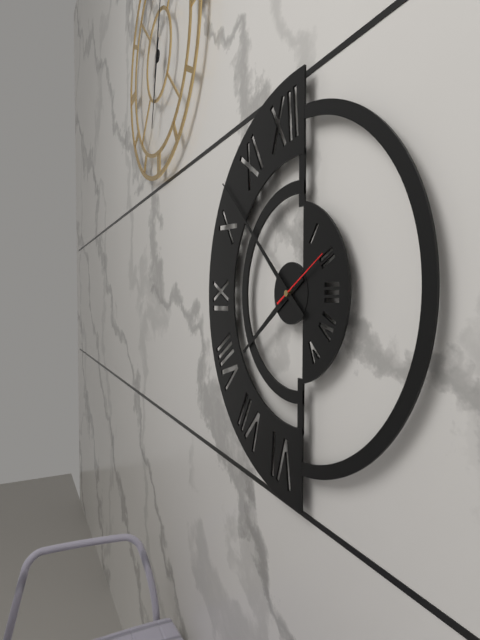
**7:52:10**
